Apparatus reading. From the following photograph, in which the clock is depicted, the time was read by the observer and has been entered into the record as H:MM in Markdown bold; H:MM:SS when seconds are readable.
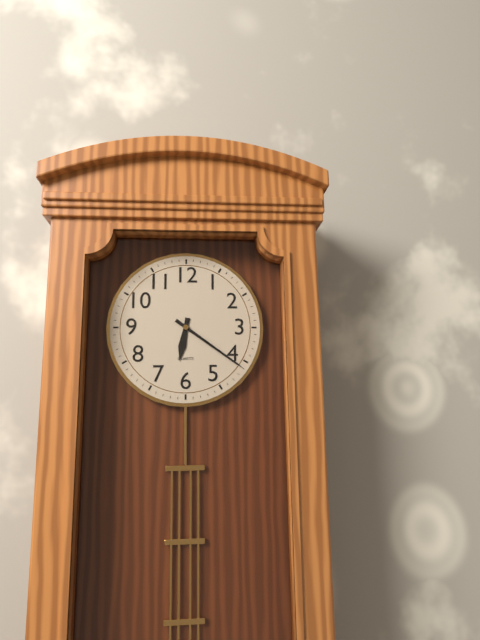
**6:21**
